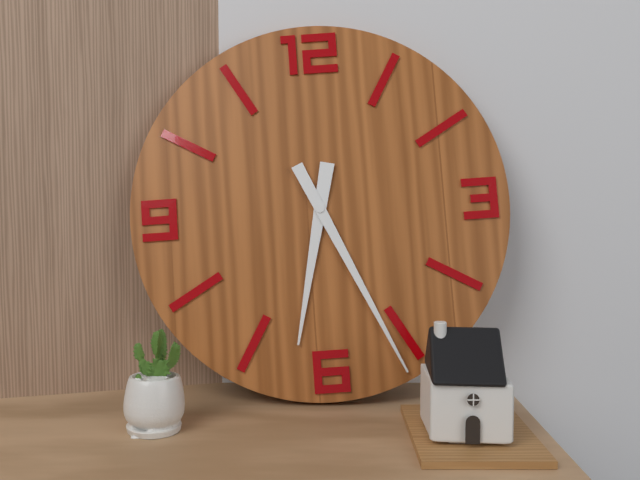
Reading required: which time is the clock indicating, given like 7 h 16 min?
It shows 6 h 26 min
